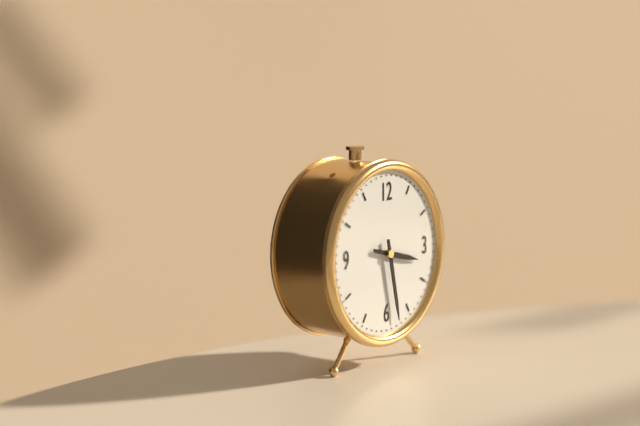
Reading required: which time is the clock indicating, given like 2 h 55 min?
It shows 3 h 28 min
